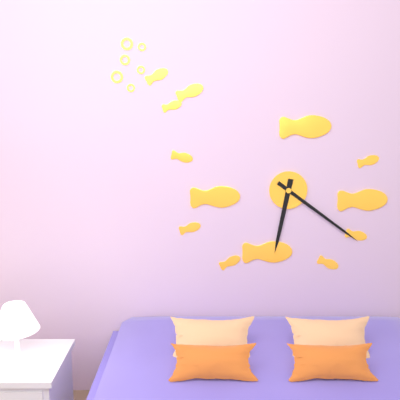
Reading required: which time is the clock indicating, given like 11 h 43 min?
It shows 6 h 21 min
